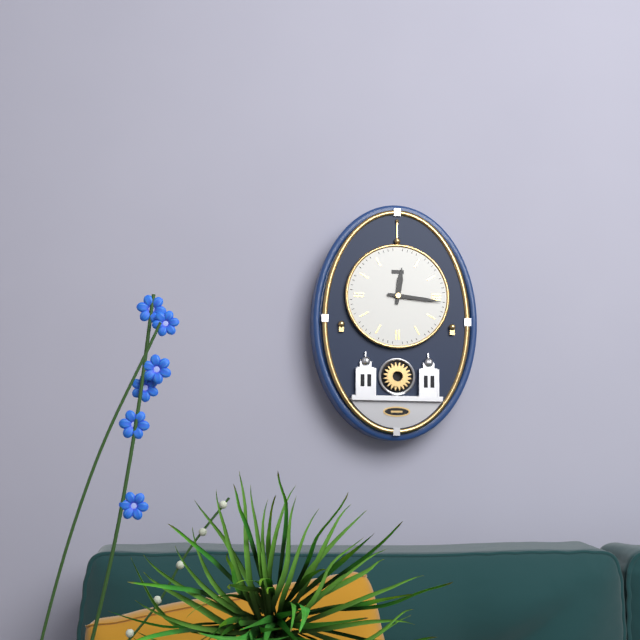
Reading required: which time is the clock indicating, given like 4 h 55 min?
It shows 12 h 16 min
